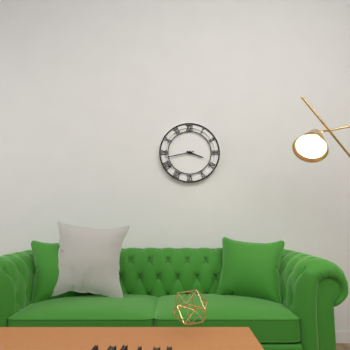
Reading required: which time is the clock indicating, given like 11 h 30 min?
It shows 3 h 43 min
